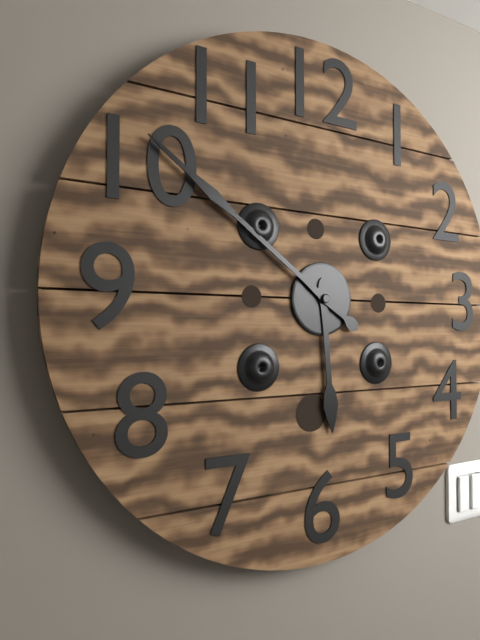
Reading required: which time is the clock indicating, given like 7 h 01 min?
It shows 5 h 51 min
